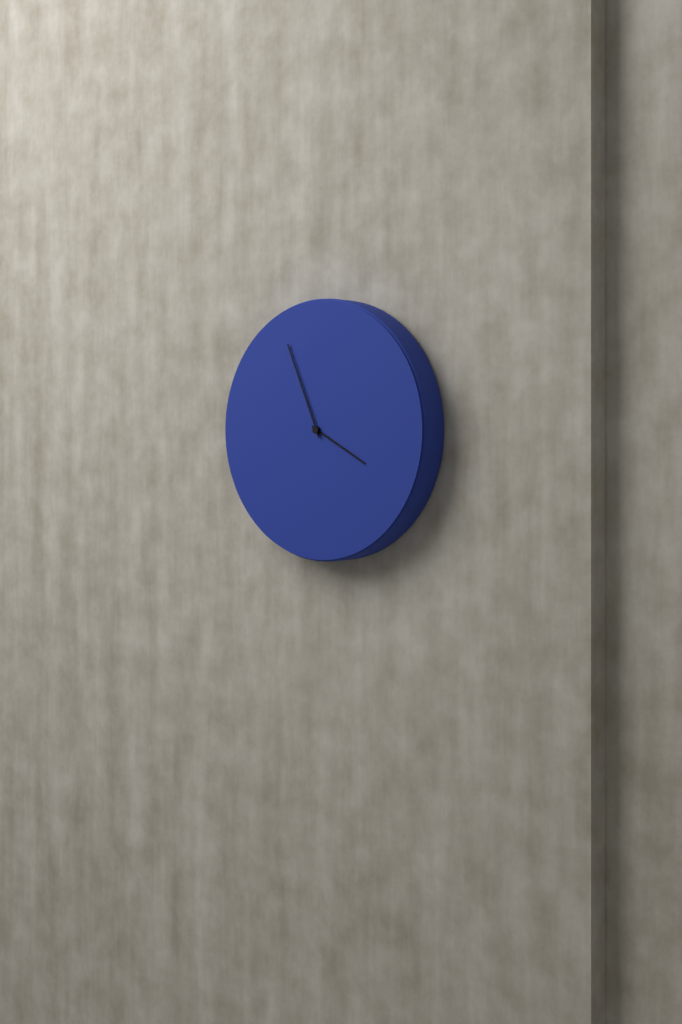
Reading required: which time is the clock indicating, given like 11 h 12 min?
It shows 3 h 56 min
